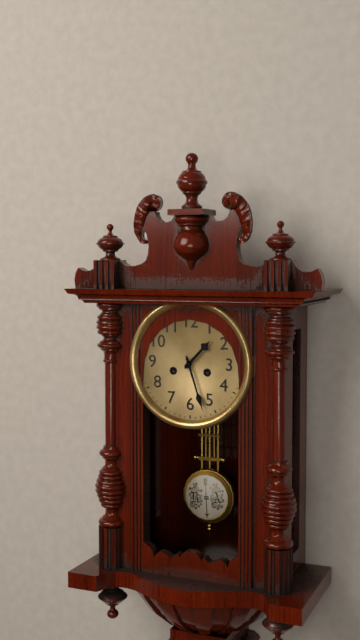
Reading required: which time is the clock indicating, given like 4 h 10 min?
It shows 1 h 27 min
